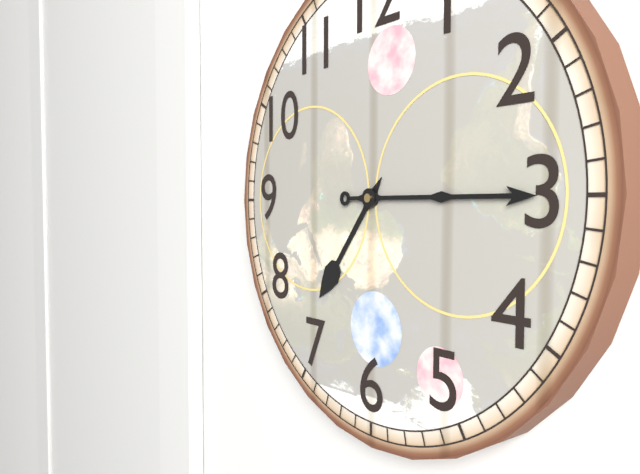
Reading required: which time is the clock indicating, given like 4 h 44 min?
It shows 7 h 15 min
